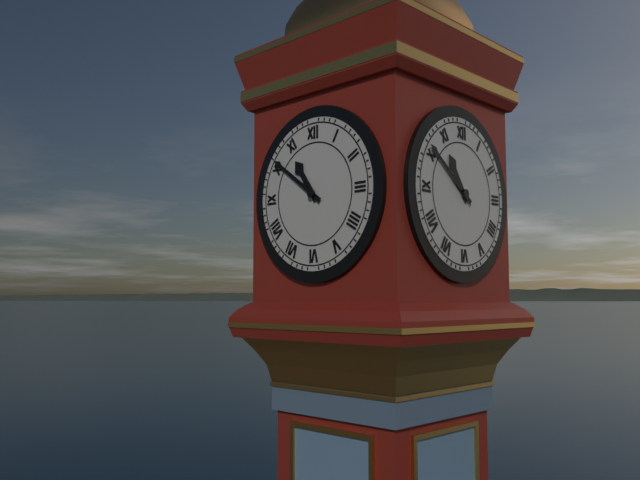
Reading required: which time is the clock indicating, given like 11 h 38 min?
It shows 10 h 51 min
